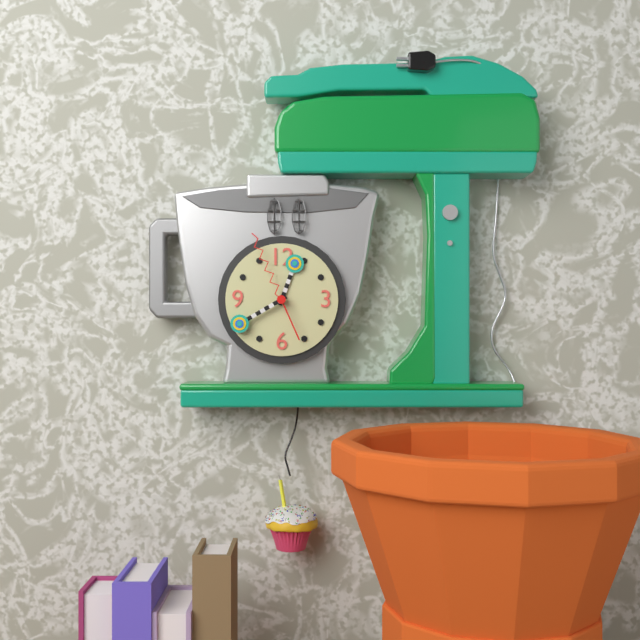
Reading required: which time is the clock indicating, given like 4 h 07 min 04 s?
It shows 12 h 40 min 56 s
